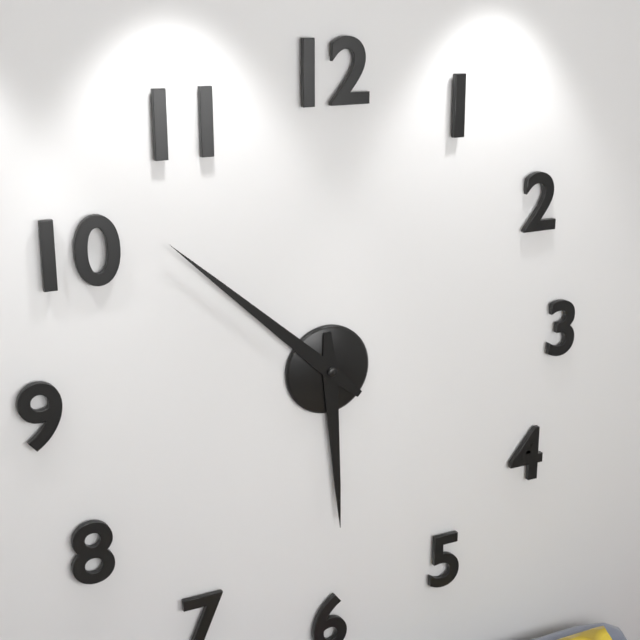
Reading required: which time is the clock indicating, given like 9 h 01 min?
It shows 5 h 52 min
